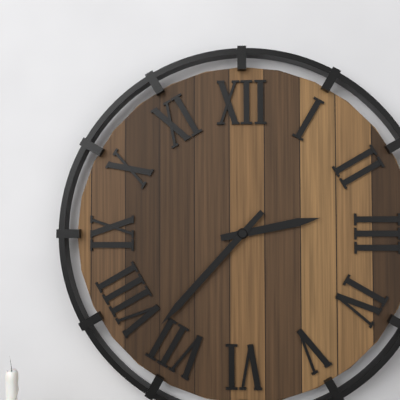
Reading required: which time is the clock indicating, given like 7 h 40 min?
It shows 2 h 37 min
